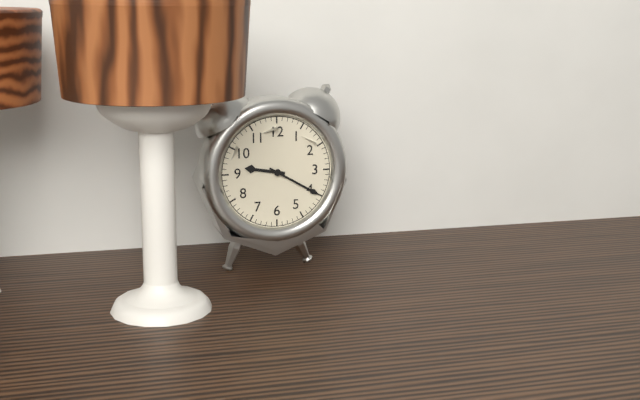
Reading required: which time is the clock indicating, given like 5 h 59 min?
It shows 9 h 20 min
